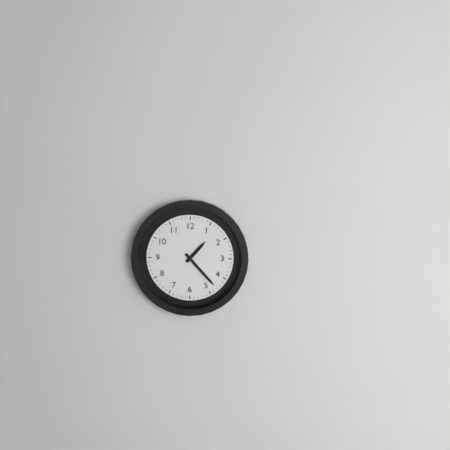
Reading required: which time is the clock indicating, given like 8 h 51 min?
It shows 1 h 23 min
